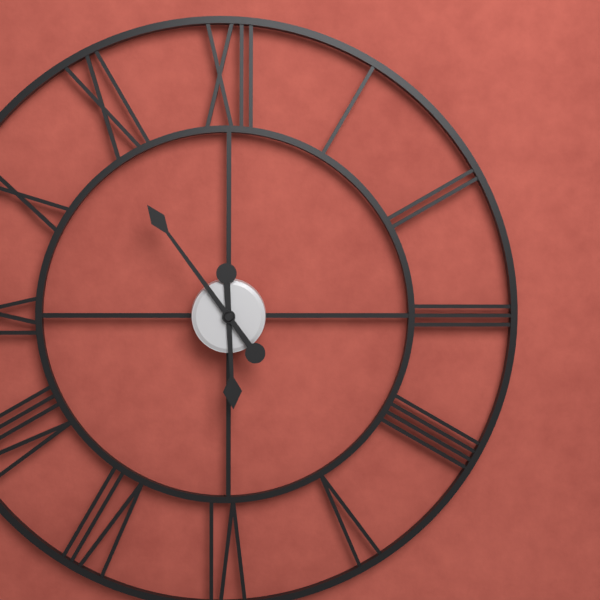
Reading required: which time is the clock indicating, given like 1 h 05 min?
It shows 5 h 54 min
